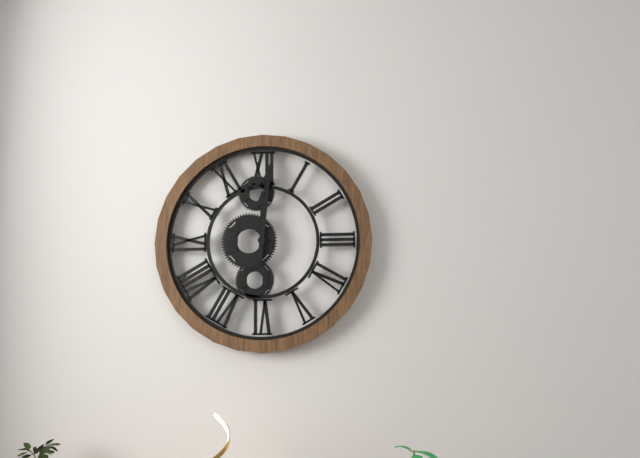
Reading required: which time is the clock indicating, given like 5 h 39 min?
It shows 12 h 01 min
